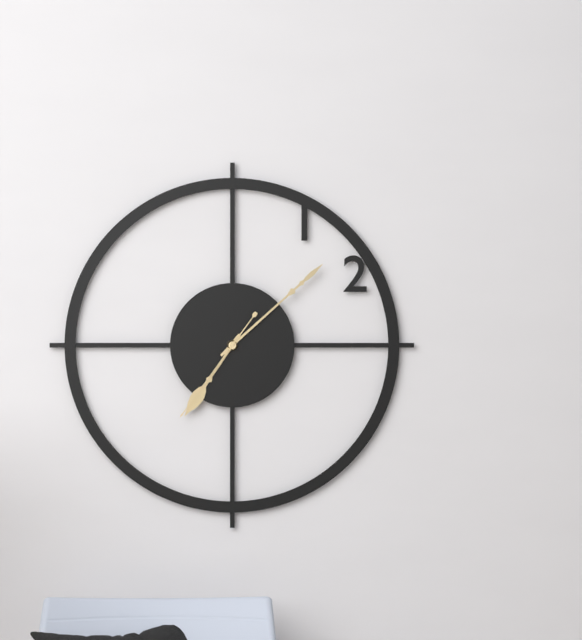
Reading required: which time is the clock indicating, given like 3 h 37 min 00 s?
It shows 7 h 08 min 36 s
